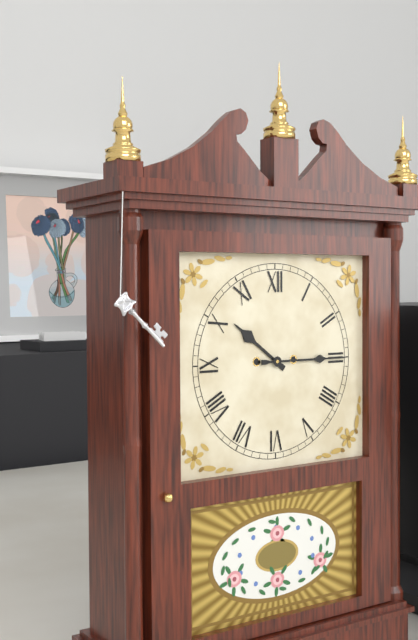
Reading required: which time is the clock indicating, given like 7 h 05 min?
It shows 10 h 15 min
